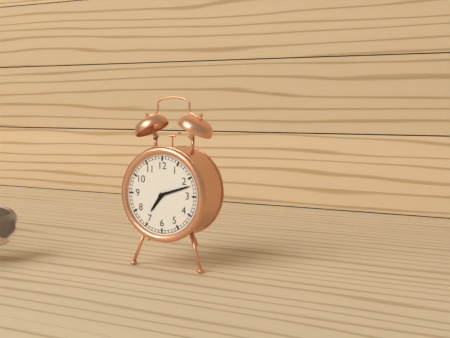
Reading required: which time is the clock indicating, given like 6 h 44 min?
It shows 7 h 12 min
